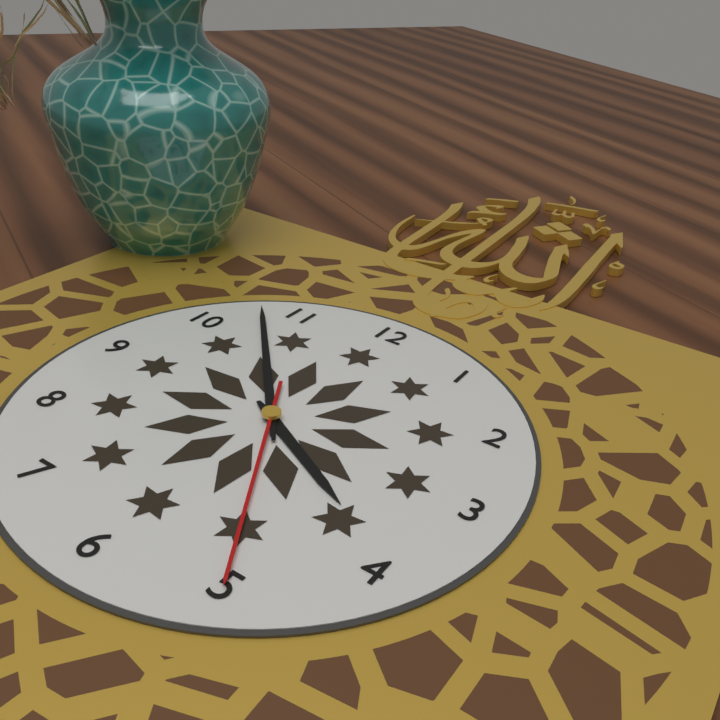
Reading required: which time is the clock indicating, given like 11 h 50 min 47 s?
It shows 3 h 53 min 25 s
